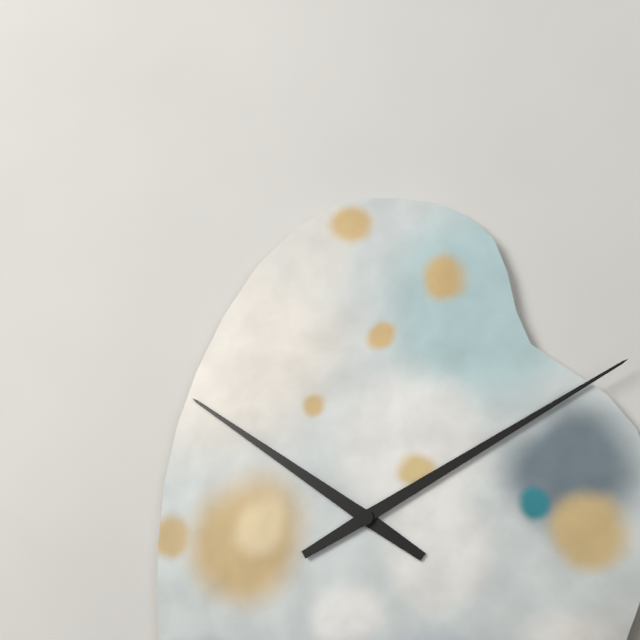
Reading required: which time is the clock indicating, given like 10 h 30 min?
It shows 10 h 10 min
